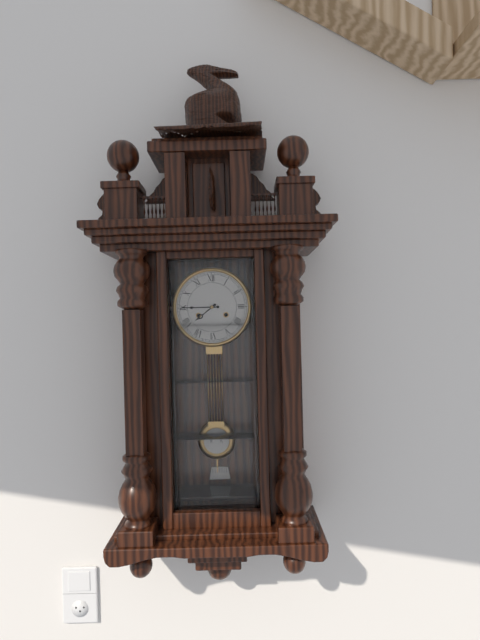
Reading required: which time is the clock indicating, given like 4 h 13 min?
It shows 7 h 45 min
